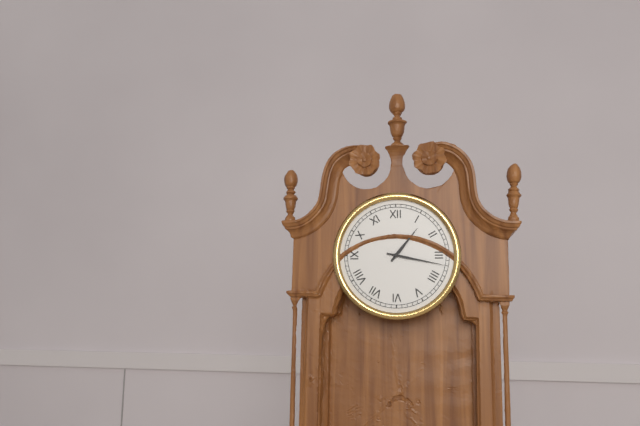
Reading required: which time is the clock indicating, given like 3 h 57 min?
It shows 1 h 17 min
